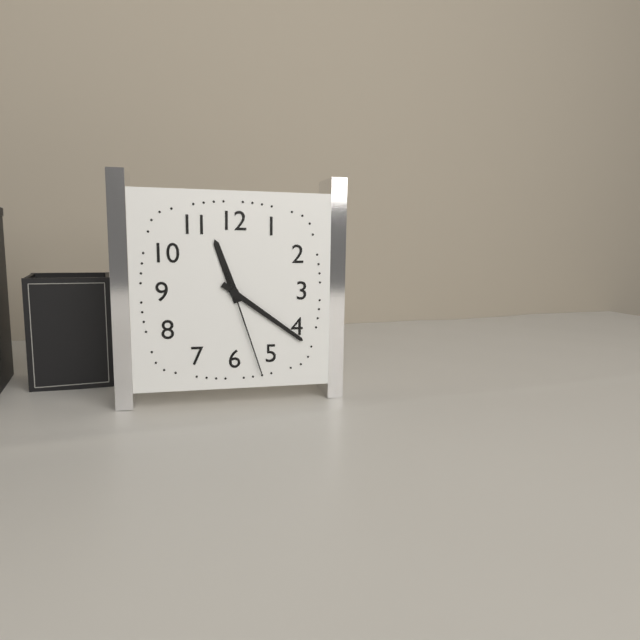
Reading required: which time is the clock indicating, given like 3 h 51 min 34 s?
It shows 11 h 21 min 27 s
